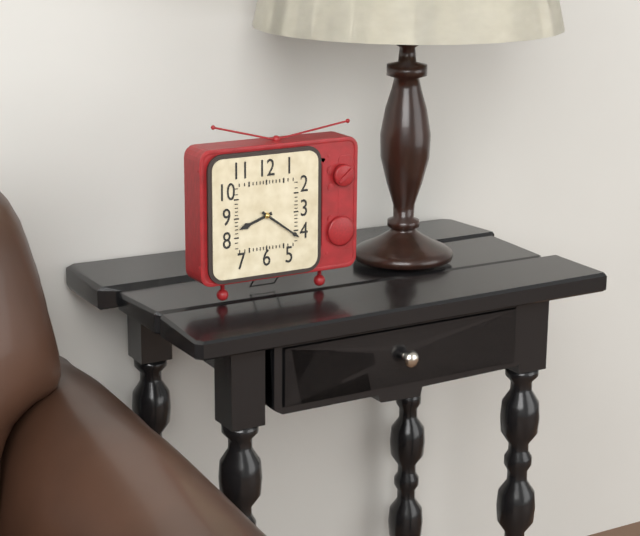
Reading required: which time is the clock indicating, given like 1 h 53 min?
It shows 8 h 21 min
